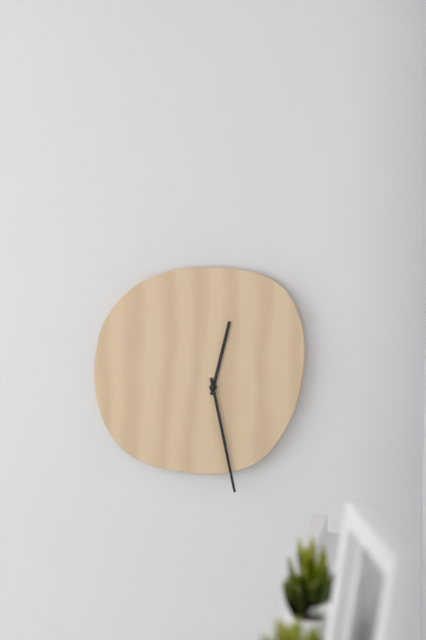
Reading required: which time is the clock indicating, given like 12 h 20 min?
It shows 12 h 28 min
